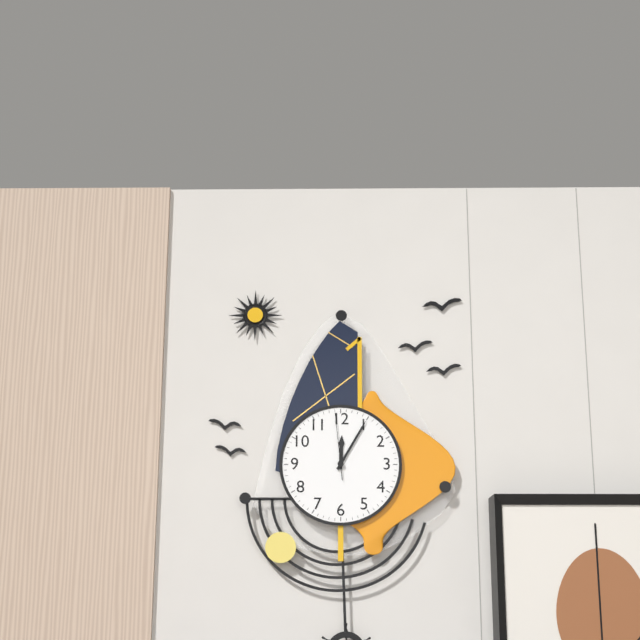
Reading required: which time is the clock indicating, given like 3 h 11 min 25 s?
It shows 12 h 05 min 59 s
